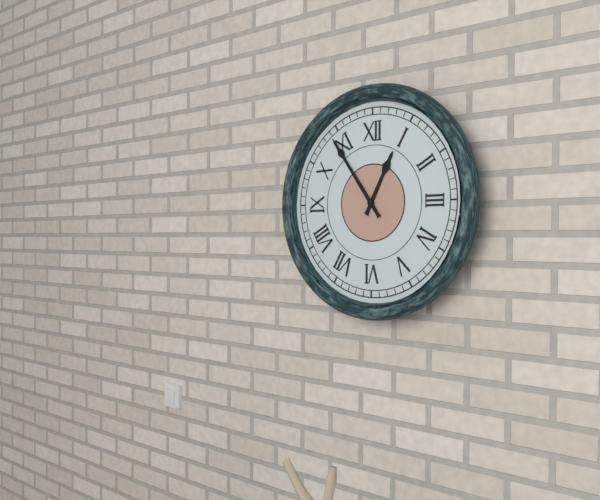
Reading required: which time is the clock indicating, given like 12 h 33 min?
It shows 12 h 54 min
